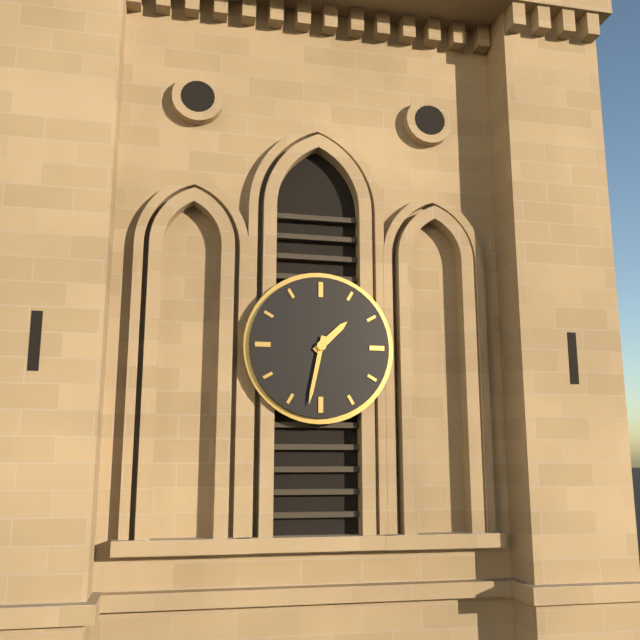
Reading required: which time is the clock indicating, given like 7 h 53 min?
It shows 1 h 32 min
